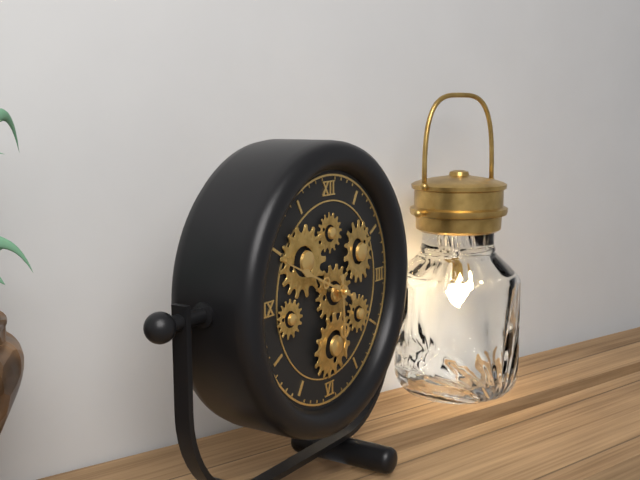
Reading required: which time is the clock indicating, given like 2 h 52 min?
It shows 5 h 49 min
